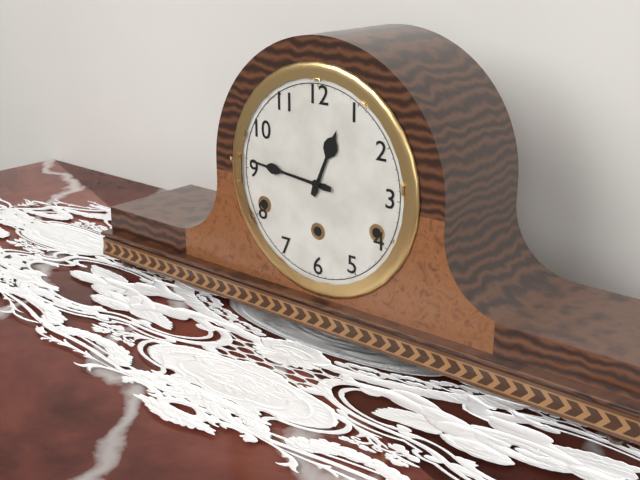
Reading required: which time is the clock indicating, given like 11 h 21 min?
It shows 12 h 46 min
